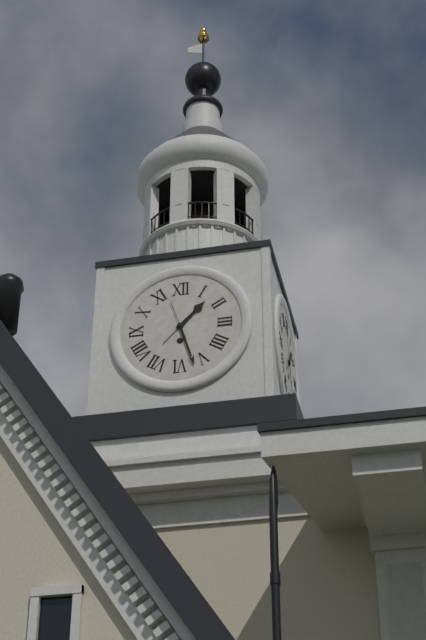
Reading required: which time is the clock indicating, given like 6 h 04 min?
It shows 1 h 27 min
